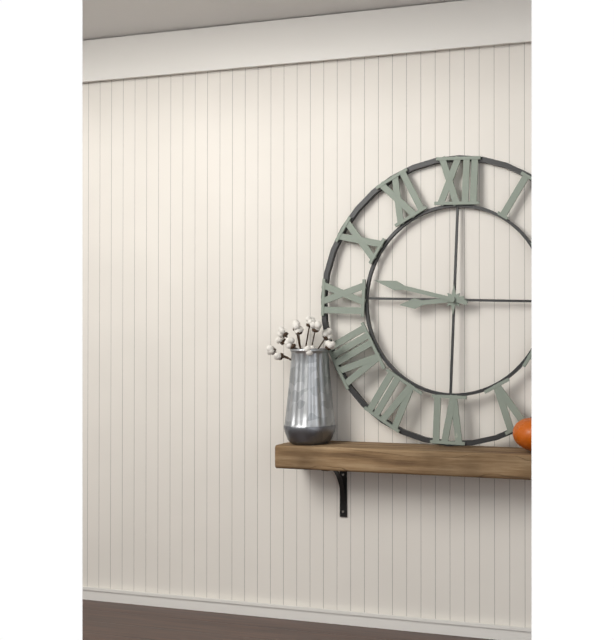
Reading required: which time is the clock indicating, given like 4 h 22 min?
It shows 8 h 47 min
